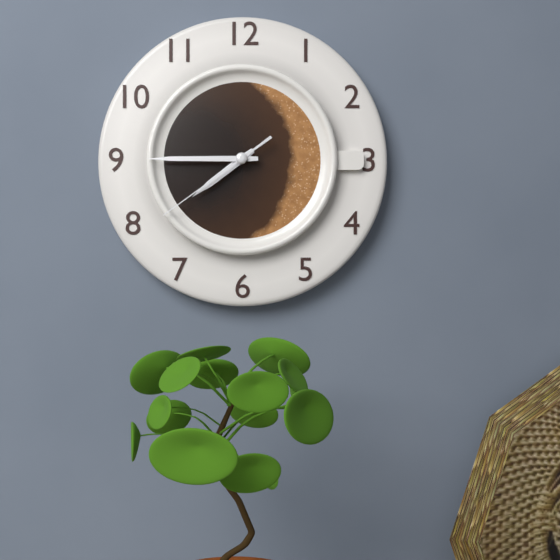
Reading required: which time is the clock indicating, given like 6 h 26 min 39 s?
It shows 7 h 45 min 39 s
